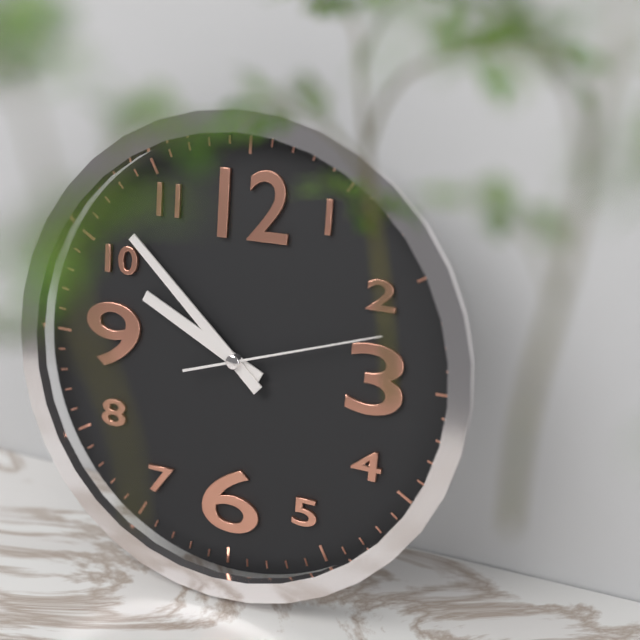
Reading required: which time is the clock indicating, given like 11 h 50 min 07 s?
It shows 9 h 52 min 12 s
